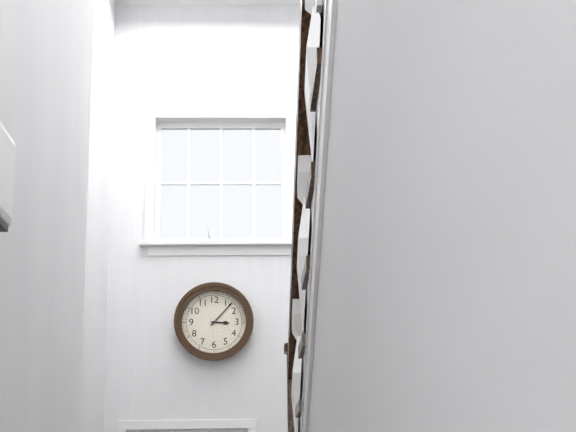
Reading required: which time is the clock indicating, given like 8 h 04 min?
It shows 3 h 07 min
